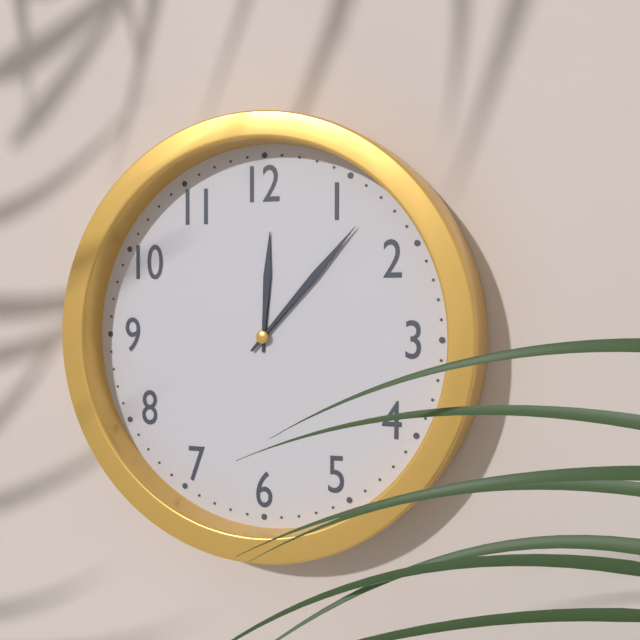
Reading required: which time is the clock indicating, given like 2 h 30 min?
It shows 12 h 07 min
